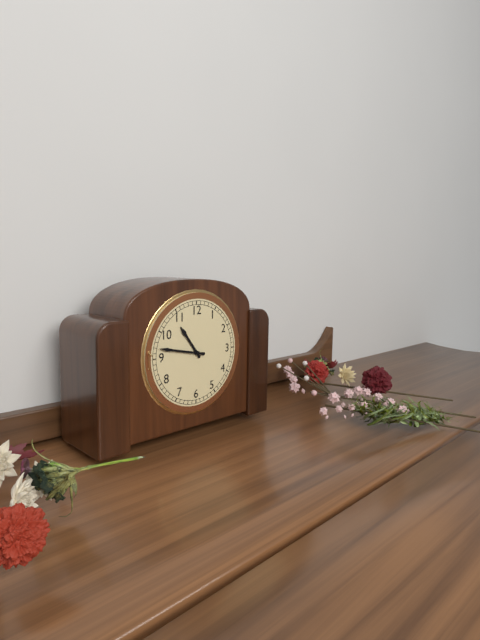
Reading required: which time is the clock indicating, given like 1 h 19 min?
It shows 10 h 47 min
